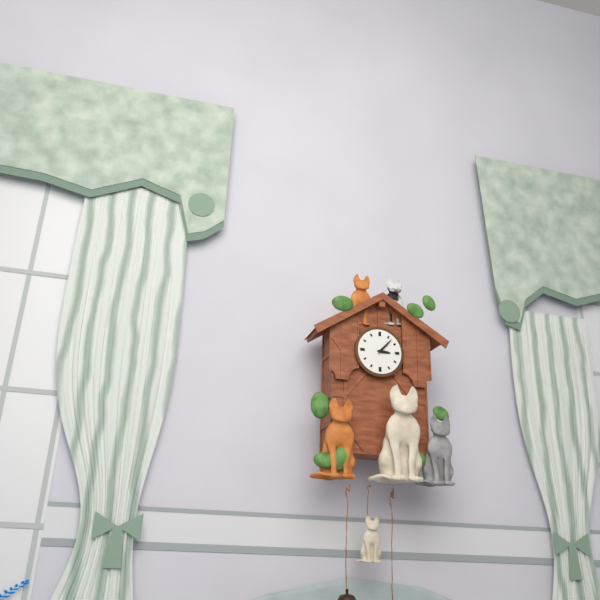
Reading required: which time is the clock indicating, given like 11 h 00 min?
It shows 3 h 07 min
